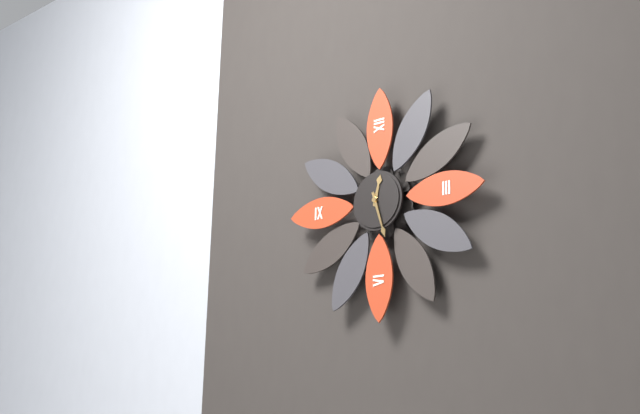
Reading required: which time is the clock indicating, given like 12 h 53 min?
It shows 12 h 27 min
